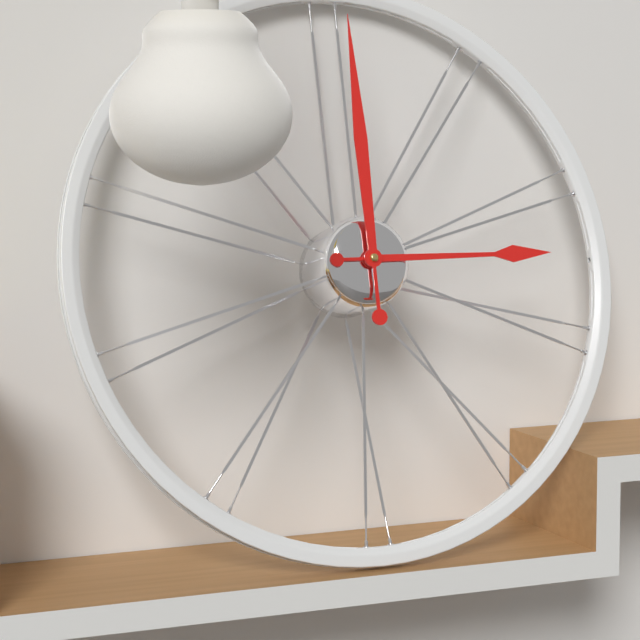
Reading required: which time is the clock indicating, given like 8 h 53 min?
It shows 3 h 00 min
